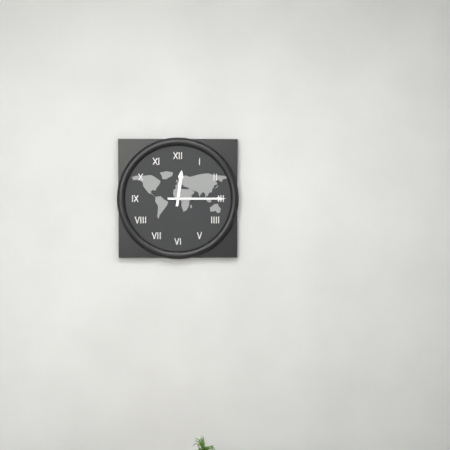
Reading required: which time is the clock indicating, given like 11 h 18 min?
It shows 12 h 15 min
